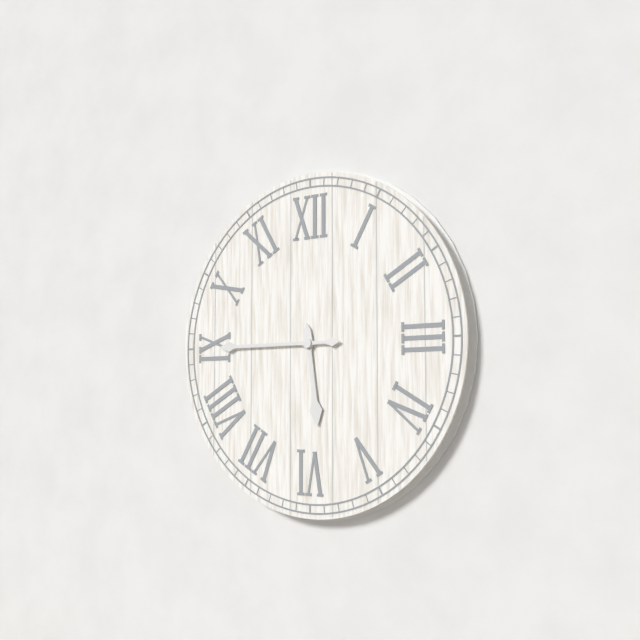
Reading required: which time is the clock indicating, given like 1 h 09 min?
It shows 5 h 45 min
